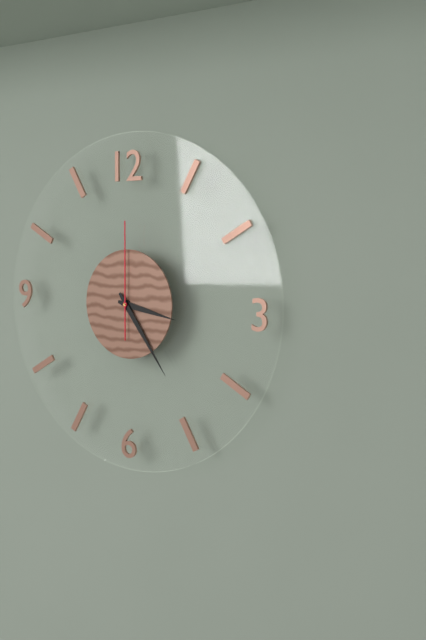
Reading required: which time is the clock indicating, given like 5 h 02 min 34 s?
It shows 3 h 24 min 00 s
